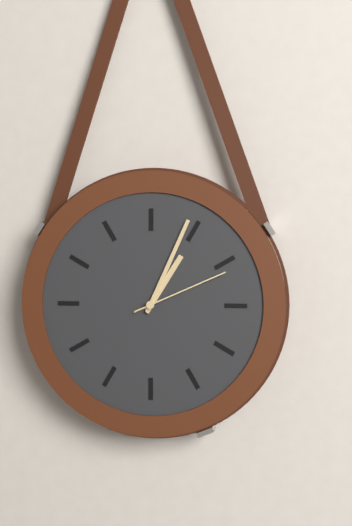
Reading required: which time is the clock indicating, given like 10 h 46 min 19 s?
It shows 1 h 04 min 11 s
